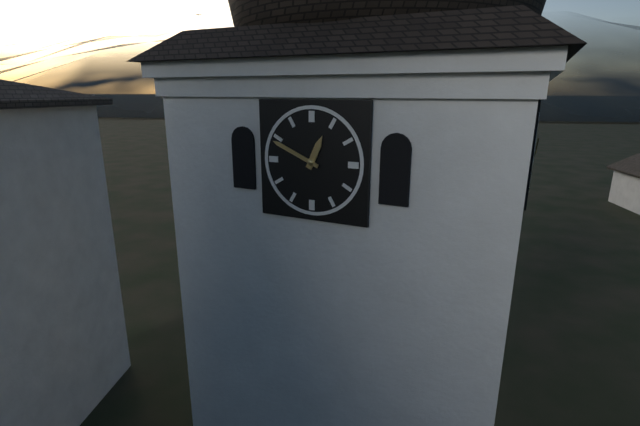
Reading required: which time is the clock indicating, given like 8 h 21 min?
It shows 12 h 49 min
